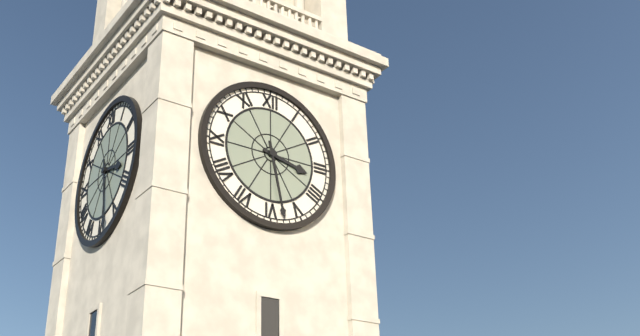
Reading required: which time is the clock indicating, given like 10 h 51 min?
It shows 3 h 28 min
